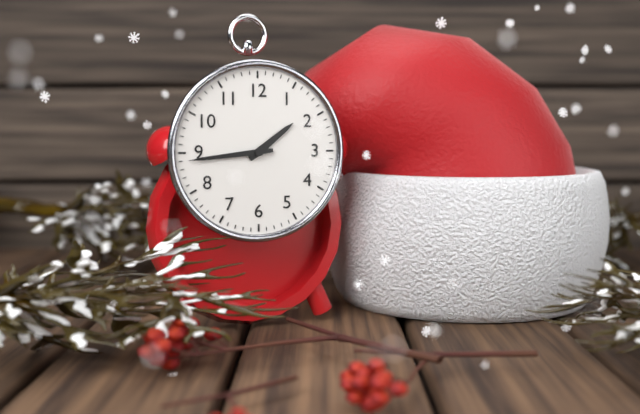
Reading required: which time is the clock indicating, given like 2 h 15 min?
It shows 1 h 44 min
